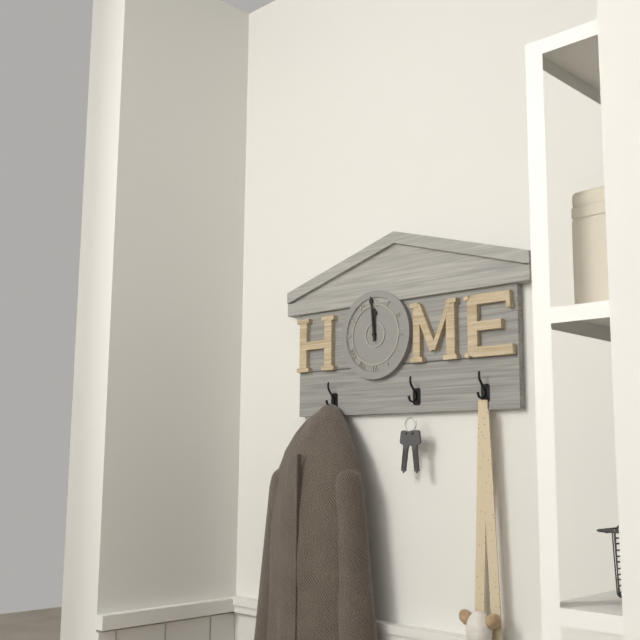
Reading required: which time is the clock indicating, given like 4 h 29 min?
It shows 11 h 59 min
